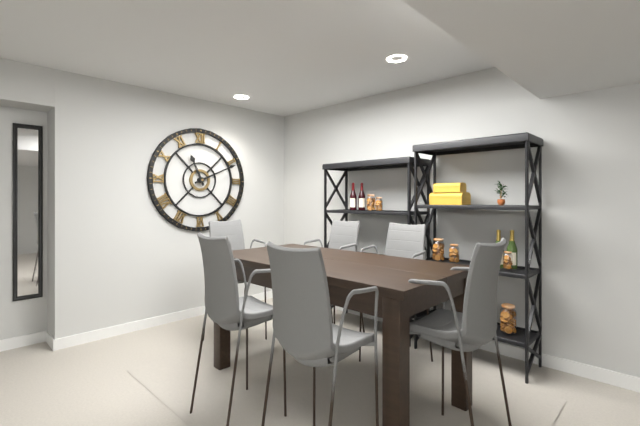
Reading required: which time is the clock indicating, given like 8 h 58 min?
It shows 11 h 11 min
